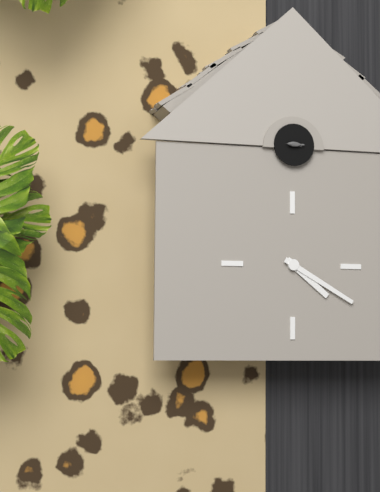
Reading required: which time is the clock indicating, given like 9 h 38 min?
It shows 4 h 20 min
